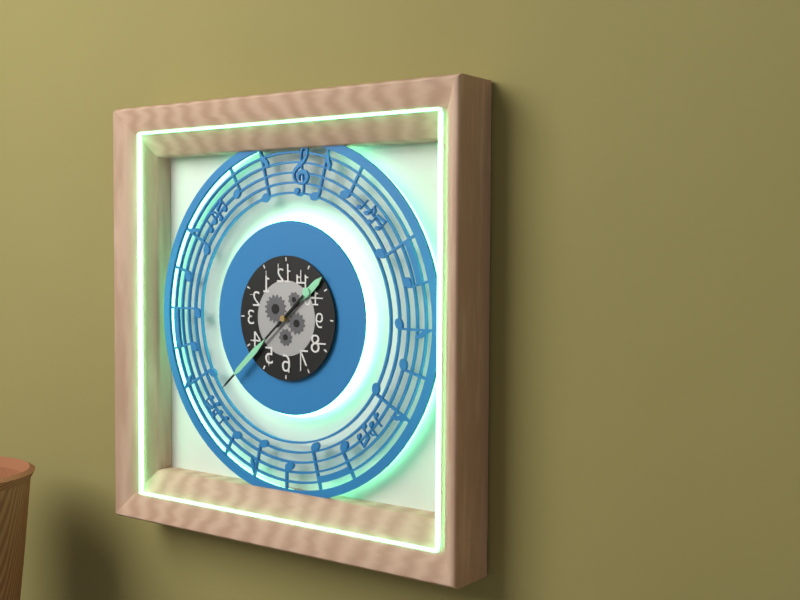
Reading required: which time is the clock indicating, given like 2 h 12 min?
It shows 1 h 38 min
